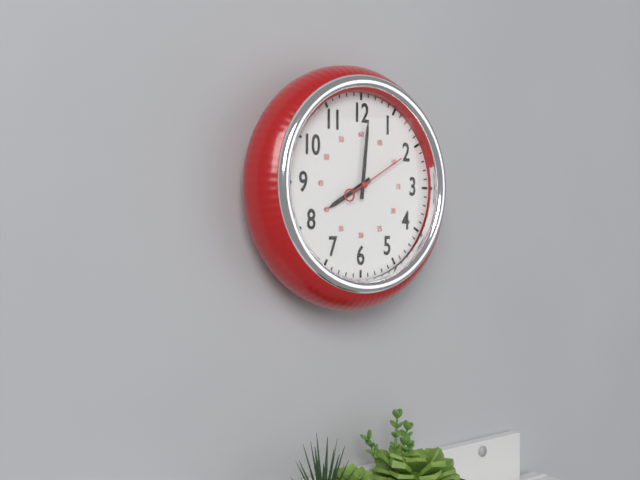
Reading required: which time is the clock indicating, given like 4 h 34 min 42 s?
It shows 8 h 01 min 10 s
